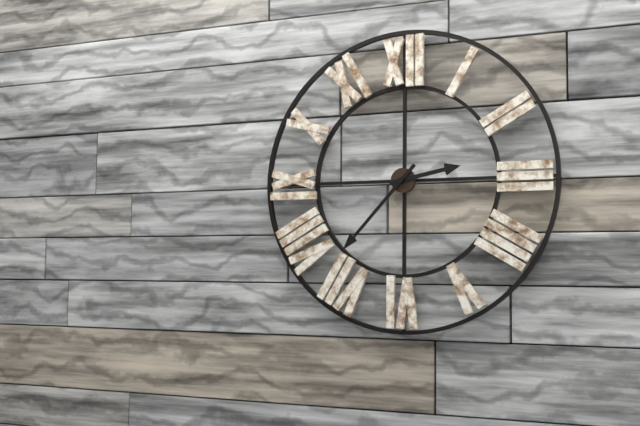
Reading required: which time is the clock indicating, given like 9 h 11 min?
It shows 2 h 37 min
